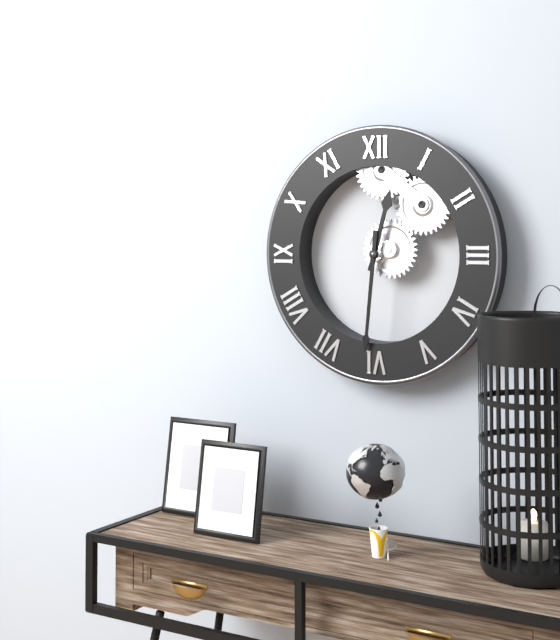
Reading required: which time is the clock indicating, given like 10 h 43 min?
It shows 12 h 31 min
